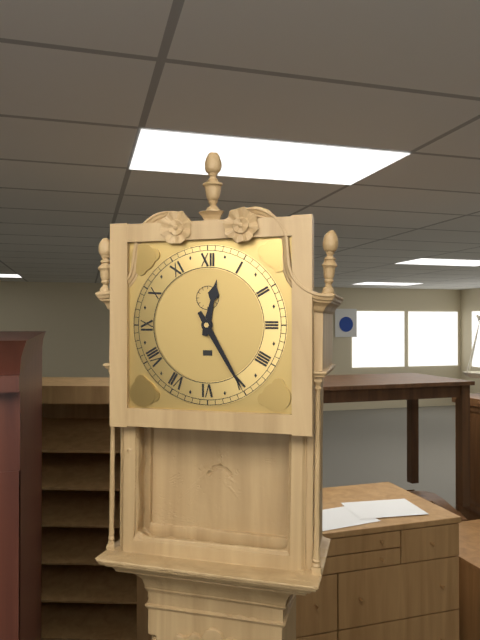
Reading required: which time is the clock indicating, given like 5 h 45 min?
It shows 12 h 25 min
